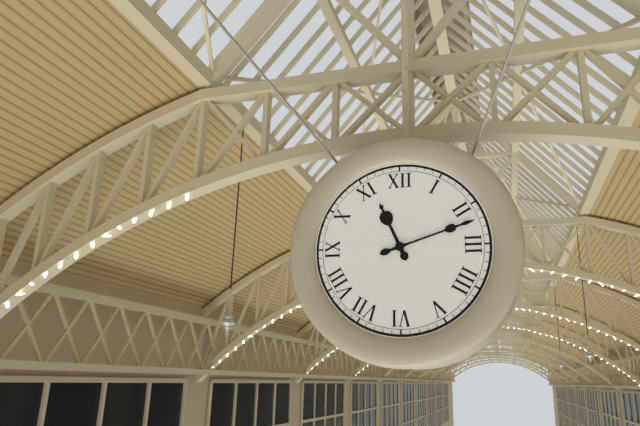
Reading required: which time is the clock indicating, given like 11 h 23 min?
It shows 11 h 12 min
